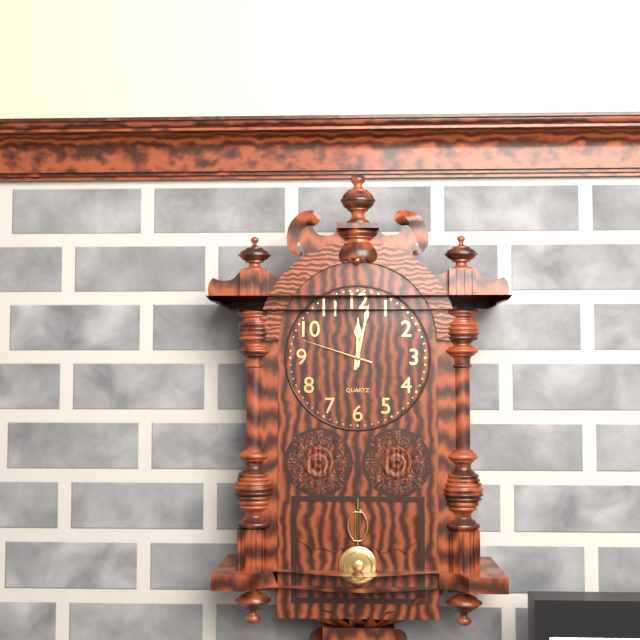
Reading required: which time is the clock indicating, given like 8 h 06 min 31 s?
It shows 12 h 02 min 48 s
